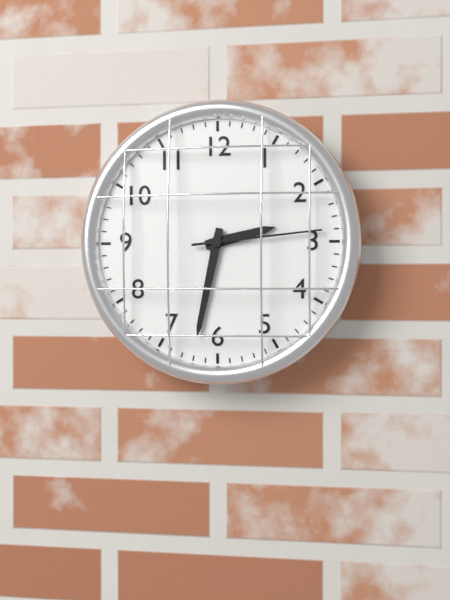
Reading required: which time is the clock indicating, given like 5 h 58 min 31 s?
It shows 2 h 32 min 14 s
